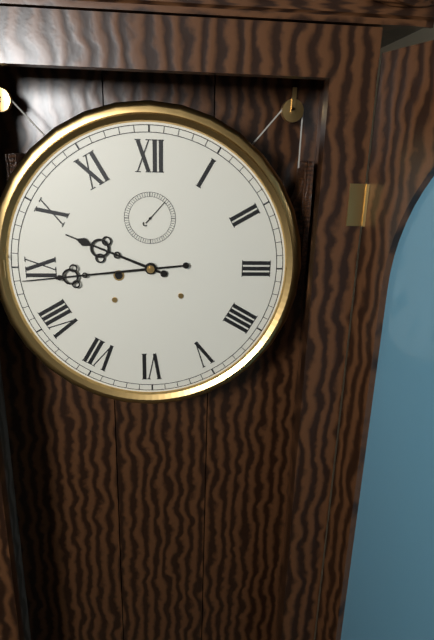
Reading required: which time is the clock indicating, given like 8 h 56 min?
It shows 9 h 44 min
